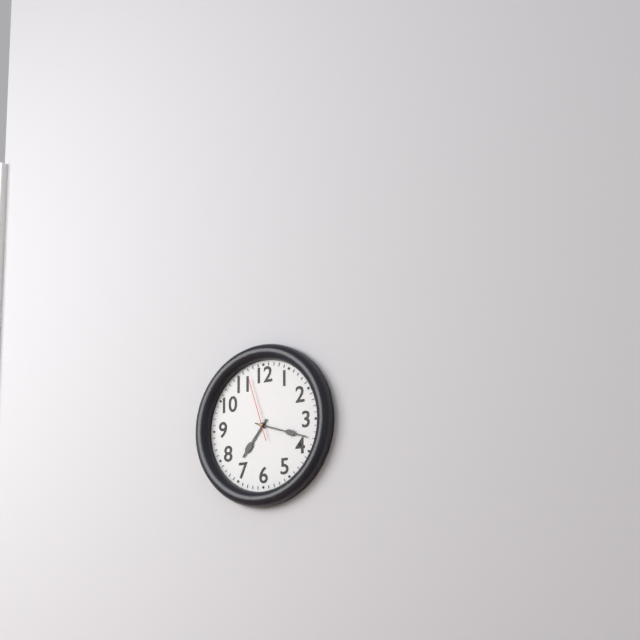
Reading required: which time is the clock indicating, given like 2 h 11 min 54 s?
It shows 7 h 18 min 57 s
